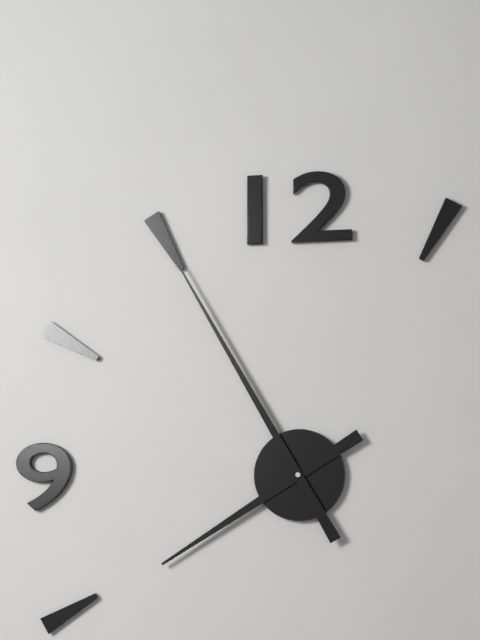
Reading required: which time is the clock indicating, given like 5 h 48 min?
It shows 7 h 55 min
